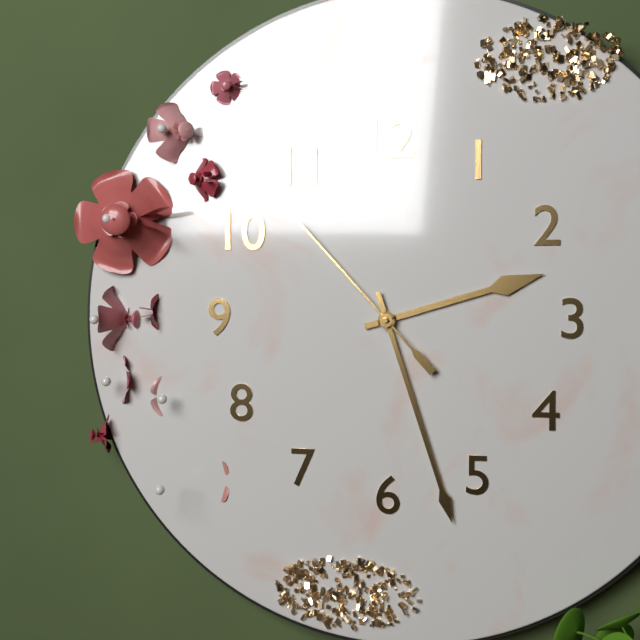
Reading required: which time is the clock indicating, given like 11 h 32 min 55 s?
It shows 2 h 27 min 53 s
